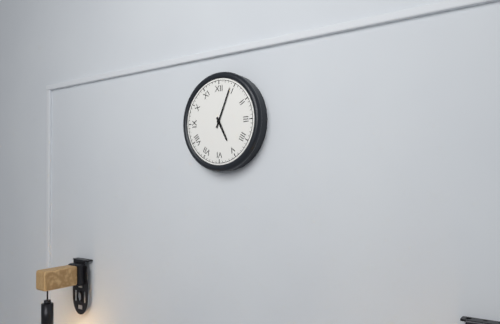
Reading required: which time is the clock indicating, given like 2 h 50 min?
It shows 5 h 04 min
